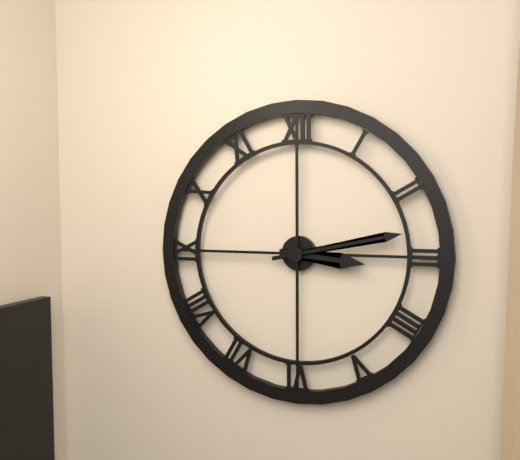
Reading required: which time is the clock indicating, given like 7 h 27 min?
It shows 3 h 13 min
